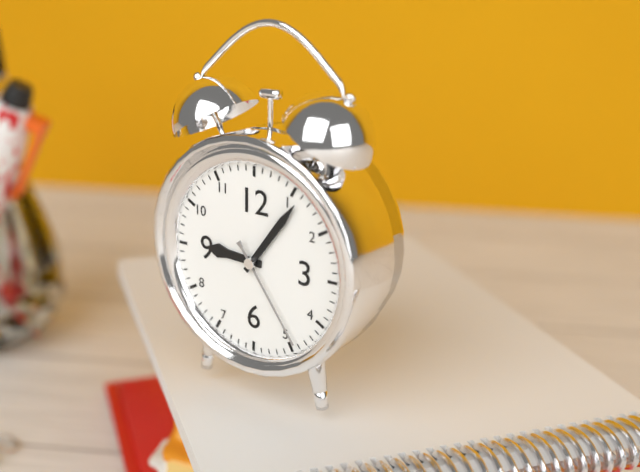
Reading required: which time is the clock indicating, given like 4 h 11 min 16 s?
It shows 9 h 06 min 24 s
